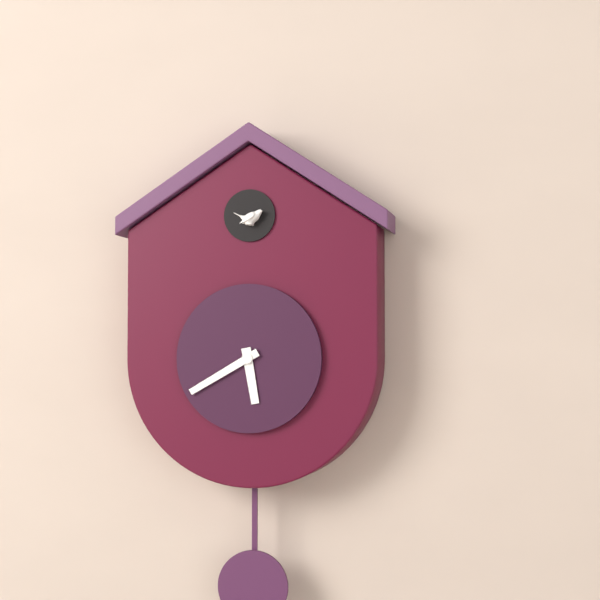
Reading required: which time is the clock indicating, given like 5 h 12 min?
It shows 5 h 40 min
